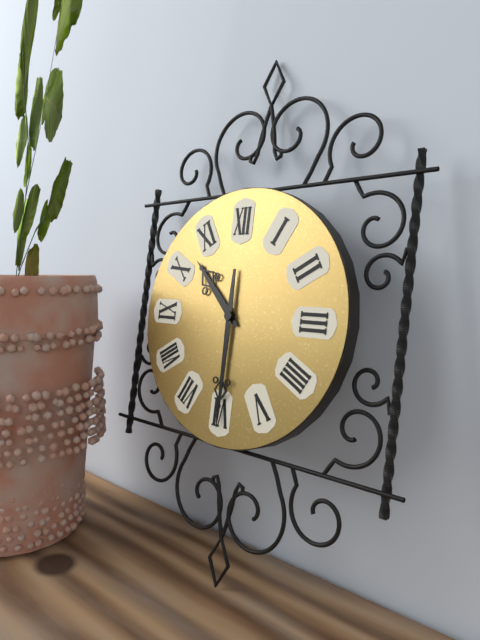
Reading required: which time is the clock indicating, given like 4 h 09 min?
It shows 10 h 30 min
